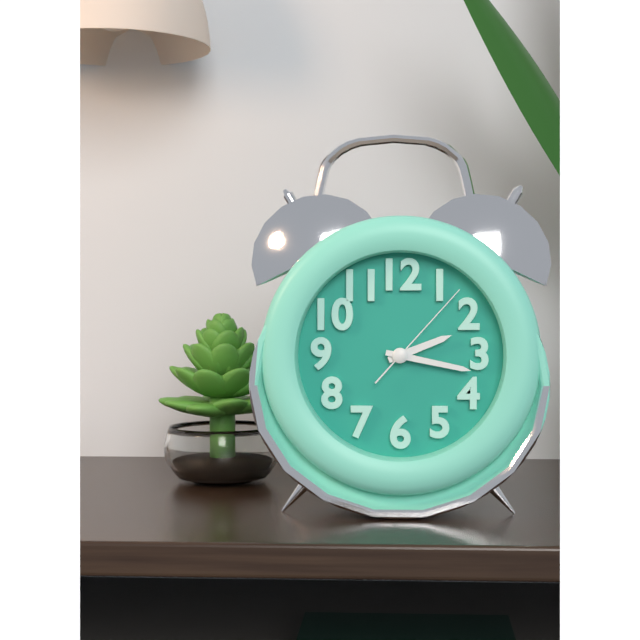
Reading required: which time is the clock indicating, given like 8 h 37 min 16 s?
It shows 2 h 17 min 07 s
